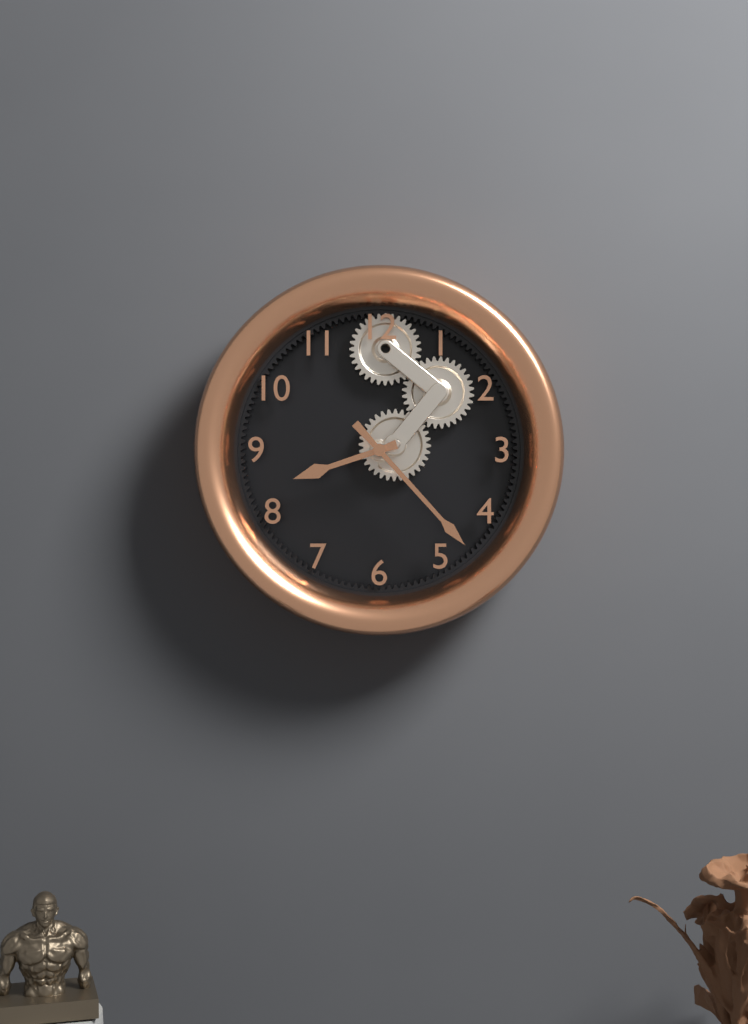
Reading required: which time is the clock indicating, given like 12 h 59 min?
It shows 8 h 23 min
